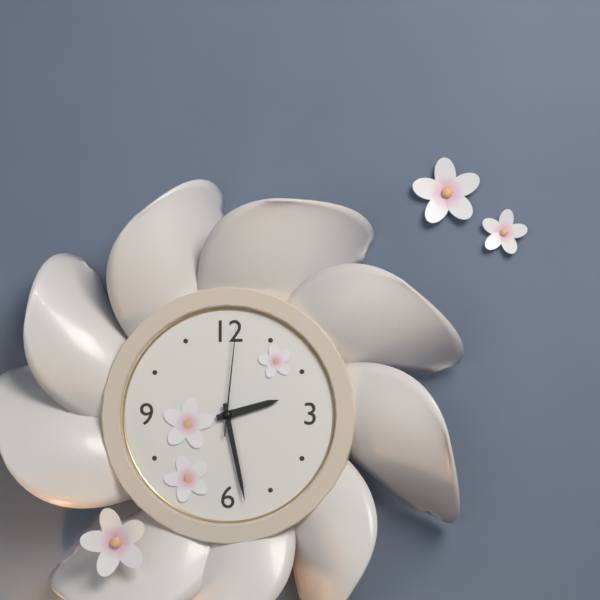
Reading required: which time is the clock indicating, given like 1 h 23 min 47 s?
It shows 2 h 28 min 01 s
